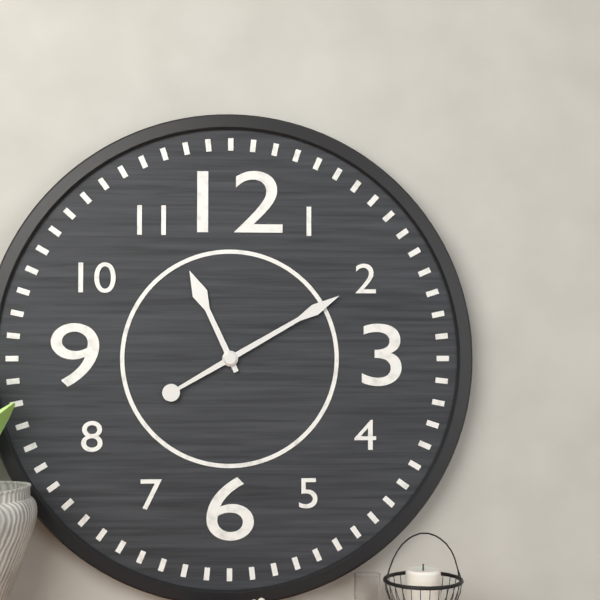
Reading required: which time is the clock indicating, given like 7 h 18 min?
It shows 11 h 10 min
